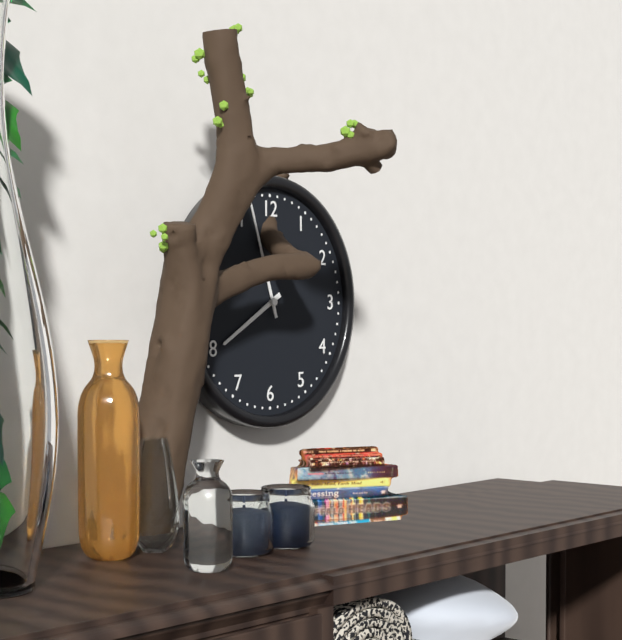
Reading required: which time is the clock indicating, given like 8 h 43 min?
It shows 7 h 57 min
